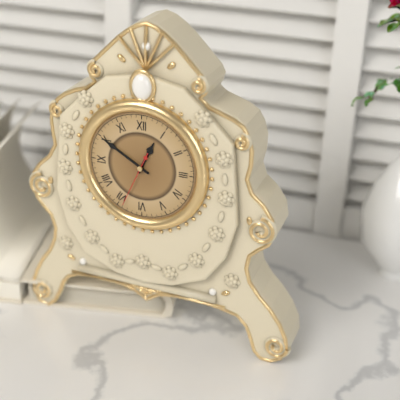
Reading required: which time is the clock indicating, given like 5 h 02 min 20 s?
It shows 12 h 50 min 34 s
